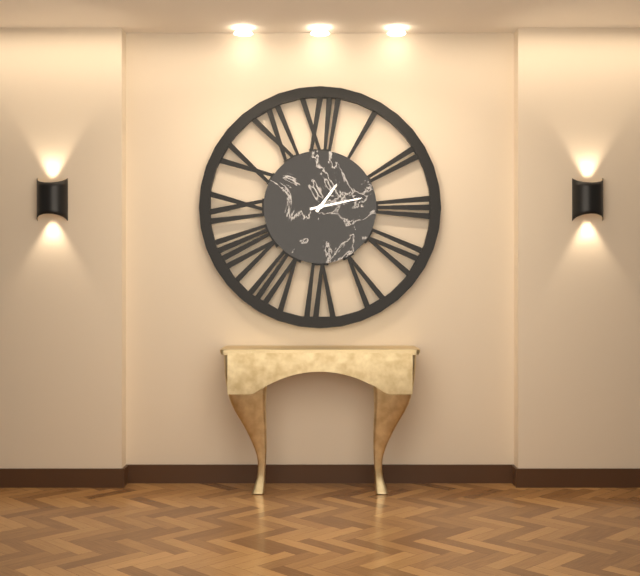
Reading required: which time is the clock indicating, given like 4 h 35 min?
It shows 1 h 13 min
